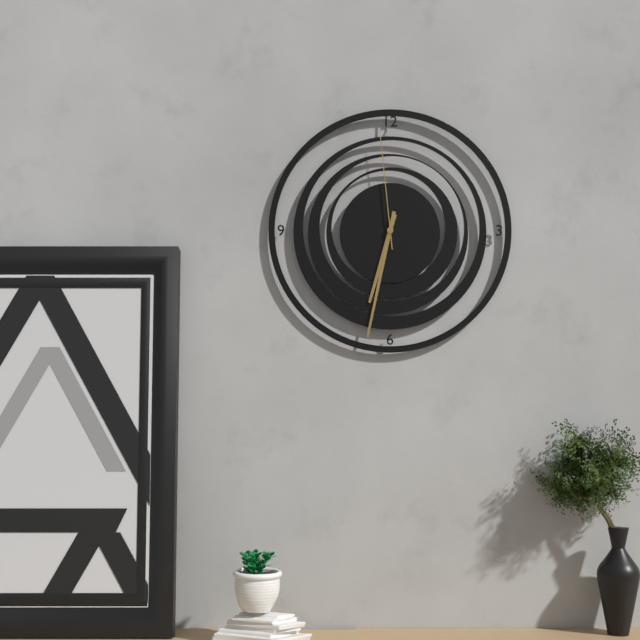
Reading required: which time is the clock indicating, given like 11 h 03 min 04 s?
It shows 6 h 32 min 59 s
